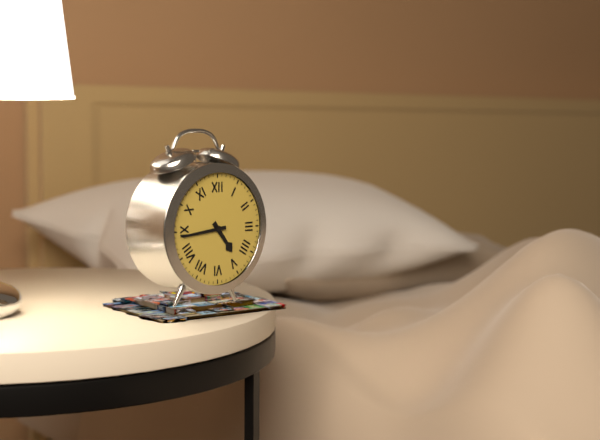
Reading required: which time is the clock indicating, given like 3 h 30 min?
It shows 4 h 44 min
